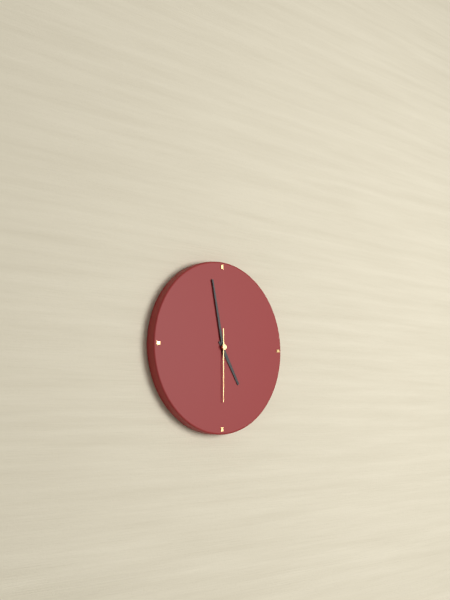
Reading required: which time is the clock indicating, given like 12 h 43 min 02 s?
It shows 4 h 58 min 30 s
